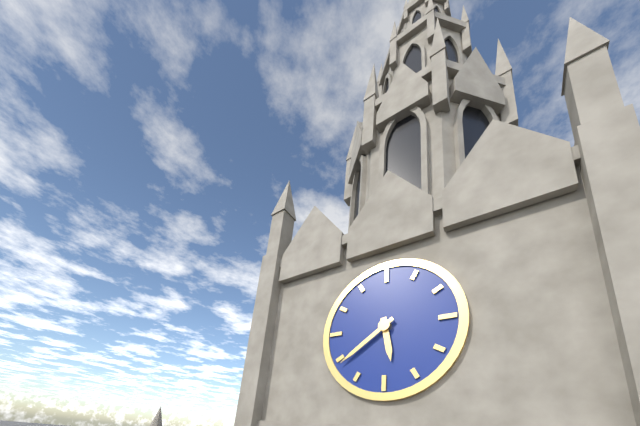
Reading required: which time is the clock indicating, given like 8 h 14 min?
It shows 5 h 39 min
